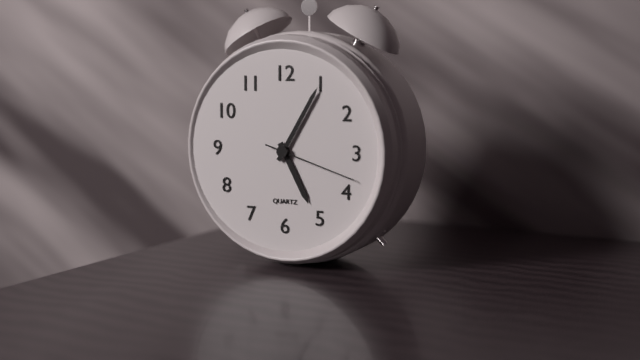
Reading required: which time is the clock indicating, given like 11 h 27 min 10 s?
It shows 5 h 05 min 18 s
